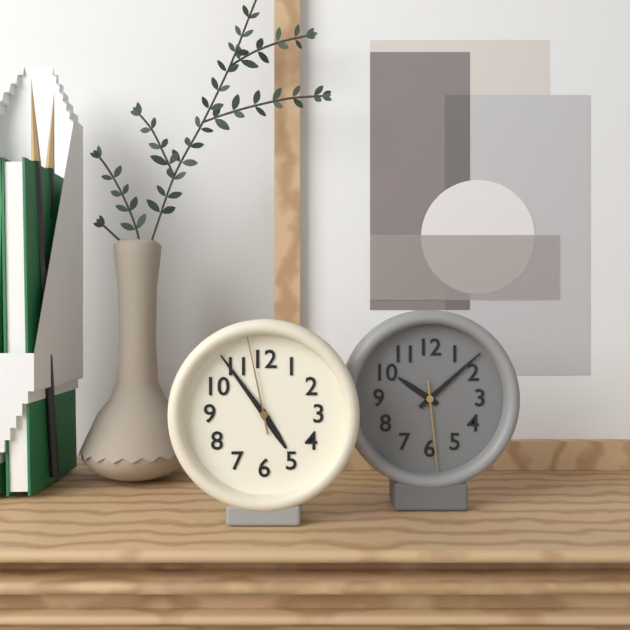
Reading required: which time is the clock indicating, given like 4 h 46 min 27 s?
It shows 4 h 54 min 58 s
